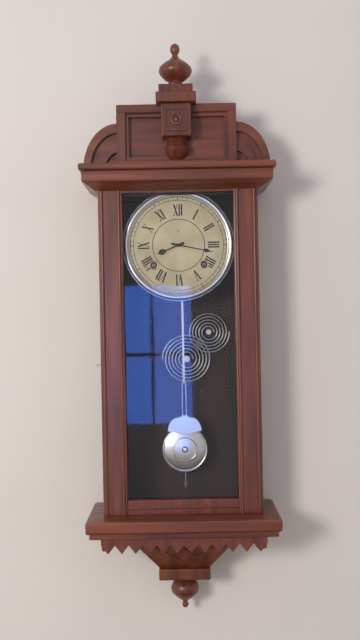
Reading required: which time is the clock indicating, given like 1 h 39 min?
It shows 8 h 17 min
